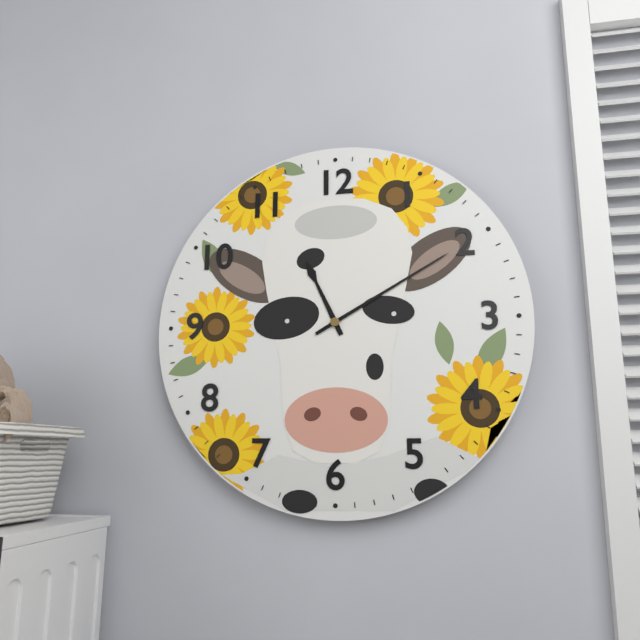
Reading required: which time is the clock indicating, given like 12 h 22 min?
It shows 11 h 10 min
